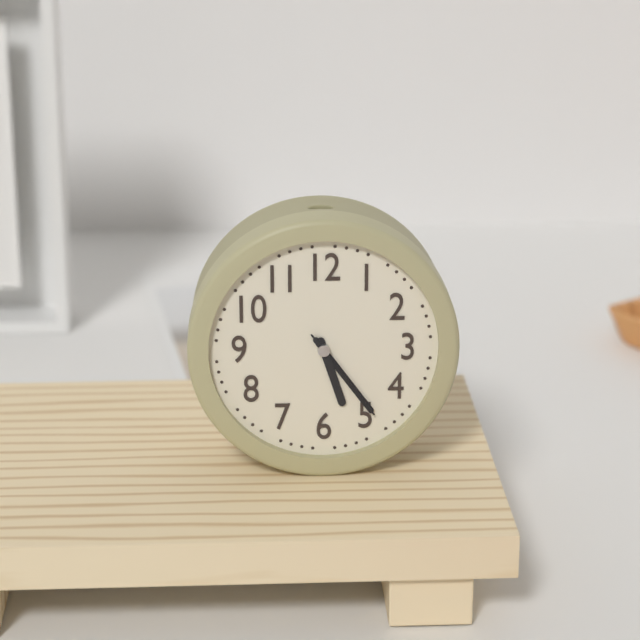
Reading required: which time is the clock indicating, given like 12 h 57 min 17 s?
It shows 5 h 24 min 24 s
